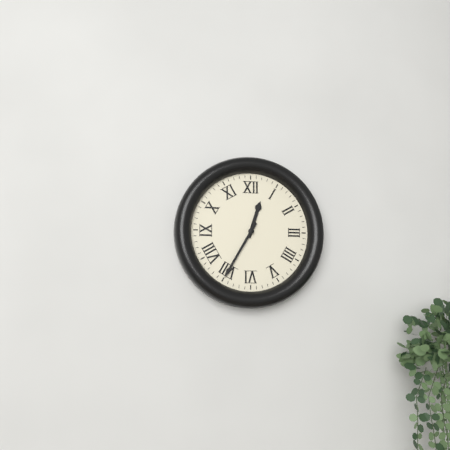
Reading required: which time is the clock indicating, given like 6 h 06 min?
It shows 12 h 35 min
